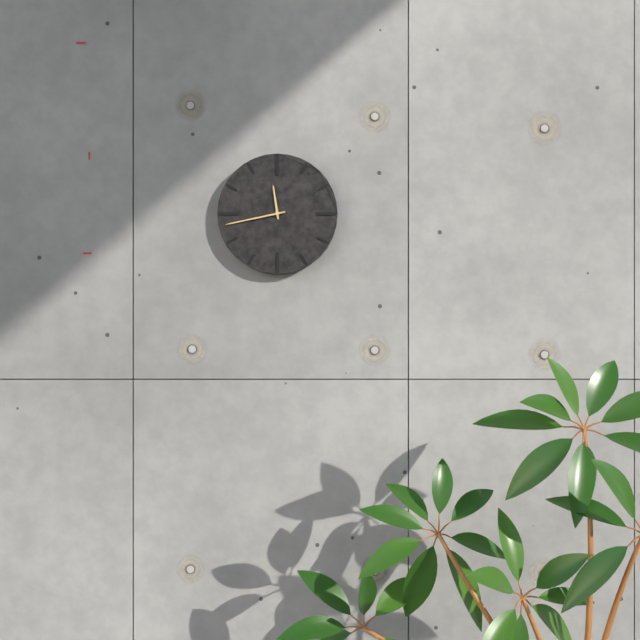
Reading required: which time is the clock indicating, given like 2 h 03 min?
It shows 11 h 43 min
